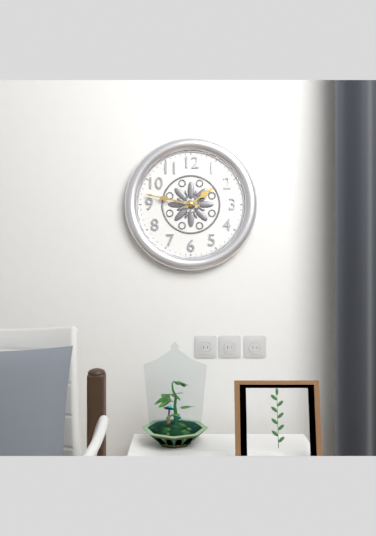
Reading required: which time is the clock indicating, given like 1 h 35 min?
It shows 1 h 47 min
